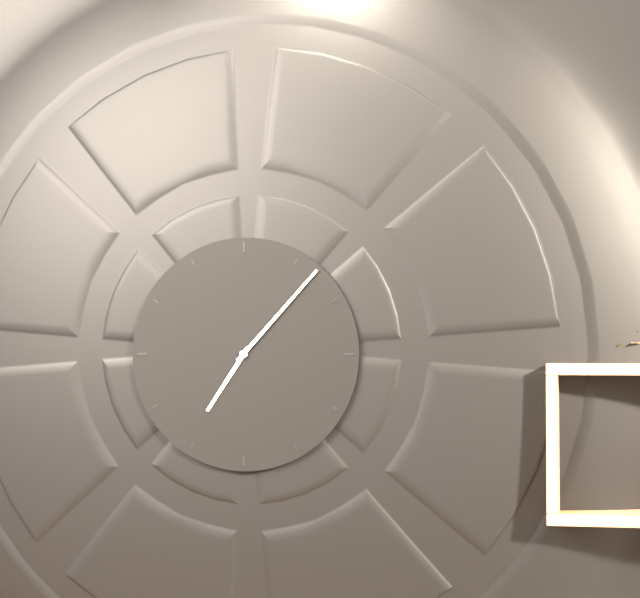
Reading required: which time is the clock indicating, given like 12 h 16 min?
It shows 7 h 07 min
